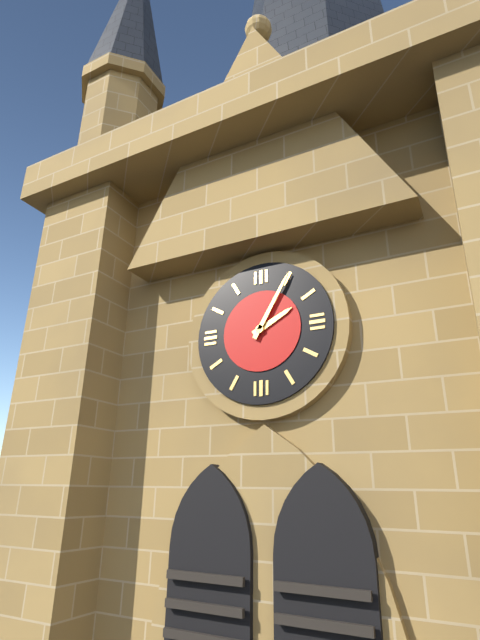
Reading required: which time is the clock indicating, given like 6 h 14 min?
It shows 2 h 05 min
